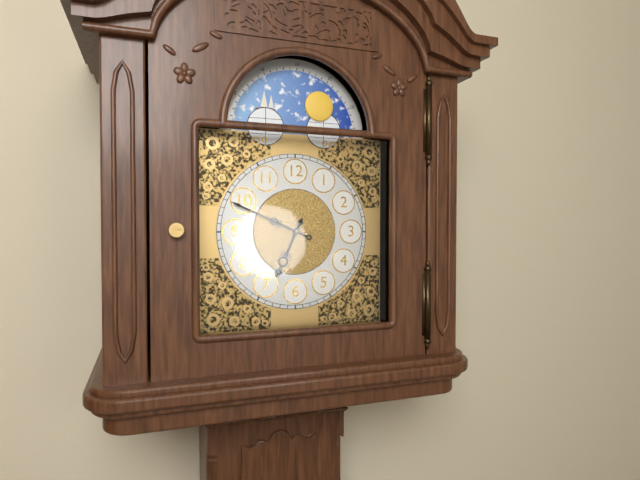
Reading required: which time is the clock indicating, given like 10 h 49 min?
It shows 6 h 49 min
